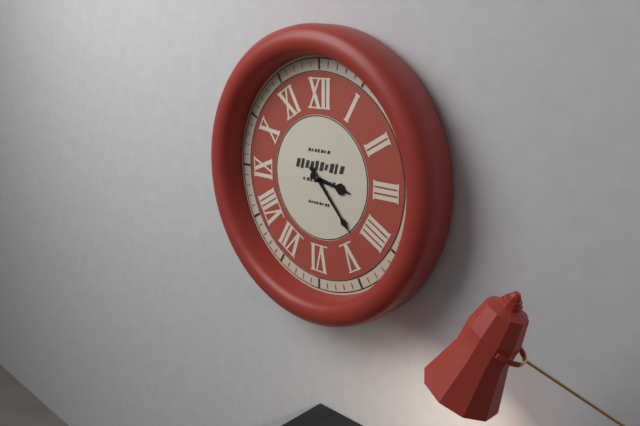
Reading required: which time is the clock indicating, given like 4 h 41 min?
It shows 3 h 23 min
